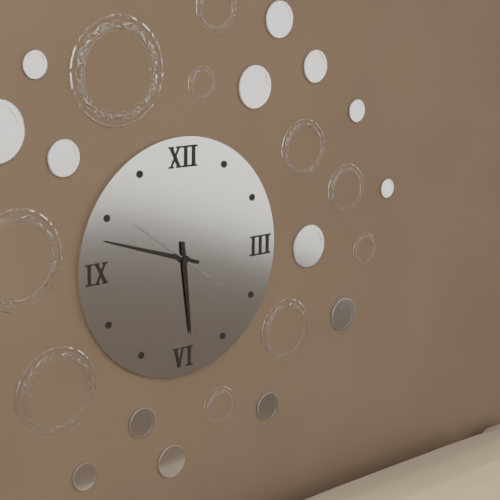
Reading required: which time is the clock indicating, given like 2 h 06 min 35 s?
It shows 5 h 48 min 51 s
